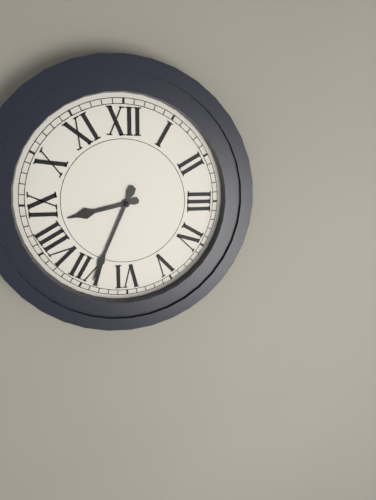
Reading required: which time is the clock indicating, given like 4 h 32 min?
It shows 8 h 34 min
